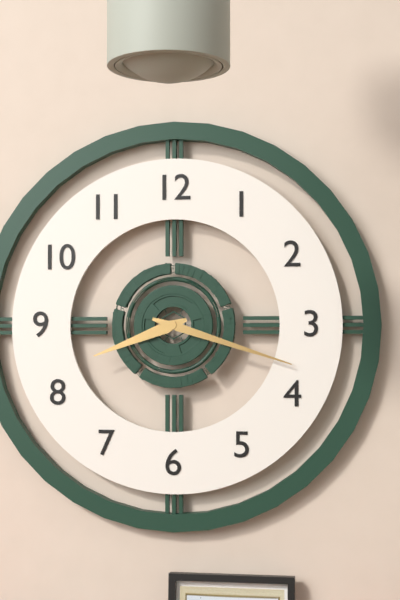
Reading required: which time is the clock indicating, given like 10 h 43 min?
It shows 8 h 18 min
